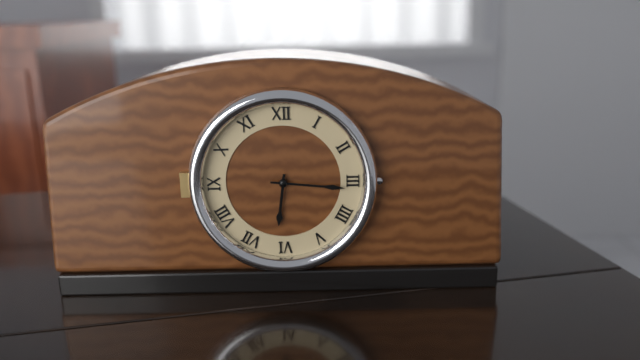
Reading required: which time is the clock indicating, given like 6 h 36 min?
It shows 6 h 16 min
